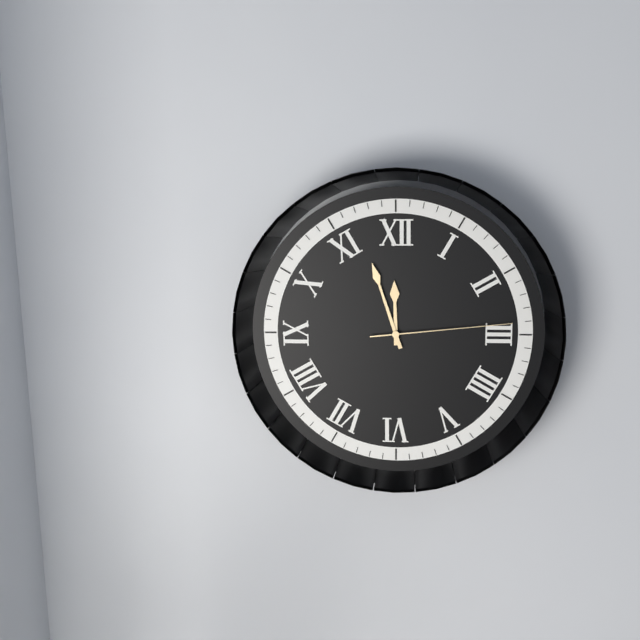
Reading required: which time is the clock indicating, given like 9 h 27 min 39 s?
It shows 11 h 57 min 14 s
